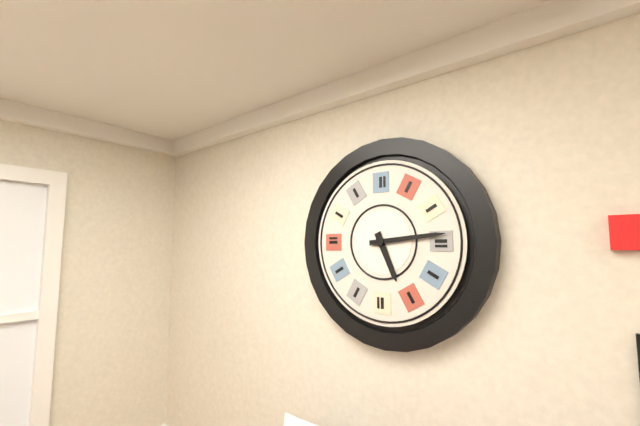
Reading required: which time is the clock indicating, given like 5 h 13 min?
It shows 5 h 14 min
